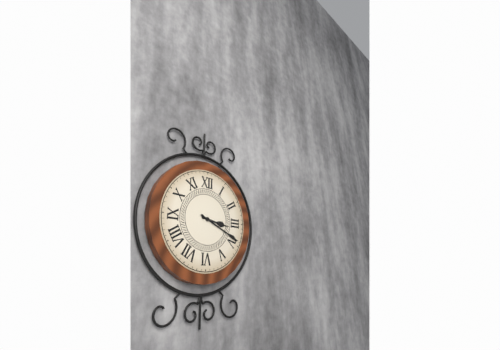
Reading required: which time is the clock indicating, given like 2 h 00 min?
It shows 3 h 19 min
